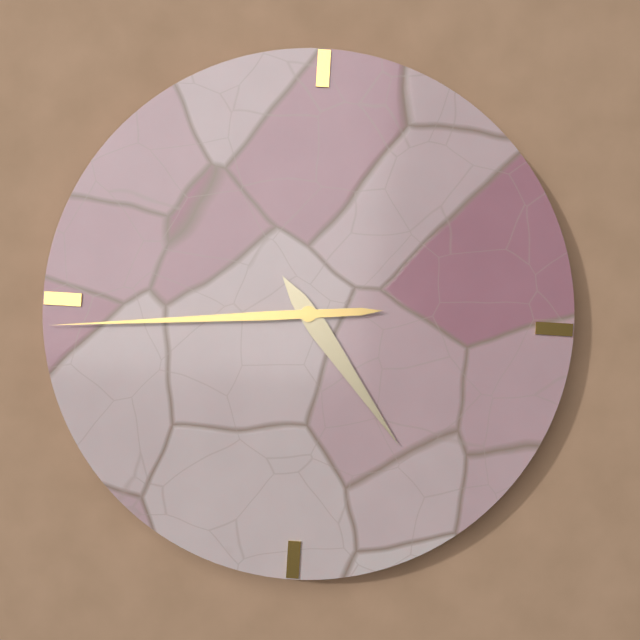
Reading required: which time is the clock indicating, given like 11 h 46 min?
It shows 4 h 44 min
